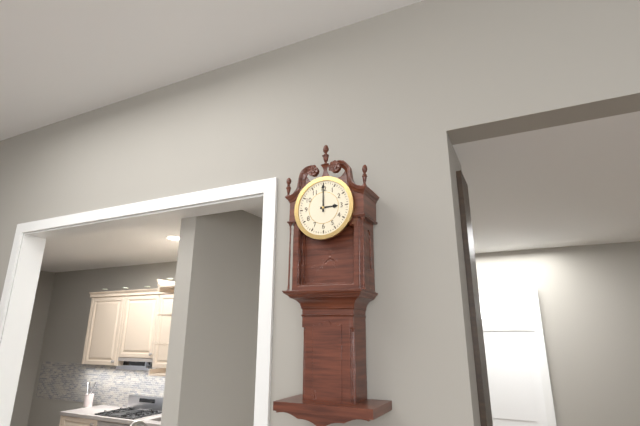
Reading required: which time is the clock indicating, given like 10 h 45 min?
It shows 3 h 00 min
